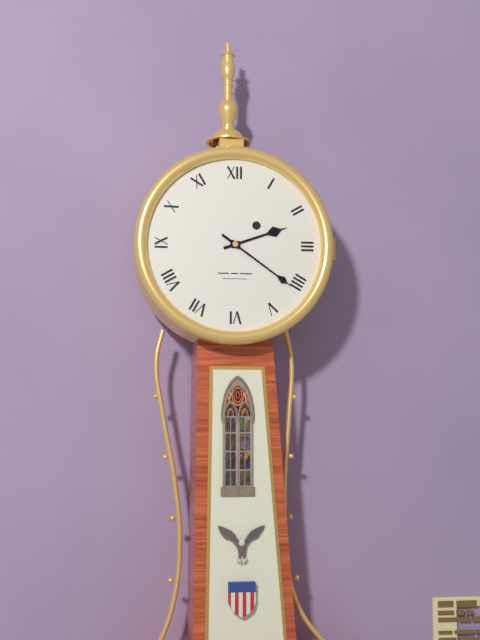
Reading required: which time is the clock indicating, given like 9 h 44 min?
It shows 2 h 21 min
